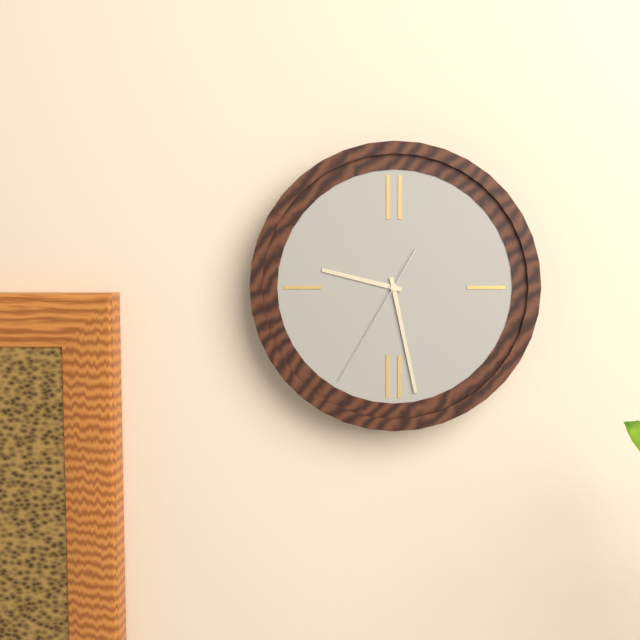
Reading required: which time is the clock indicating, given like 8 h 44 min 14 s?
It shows 9 h 28 min 35 s
